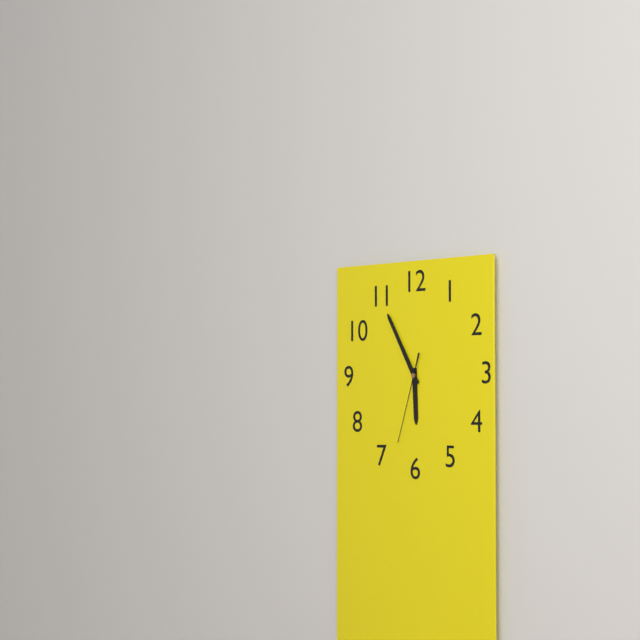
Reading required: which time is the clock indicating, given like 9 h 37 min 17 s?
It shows 5 h 55 min 33 s
